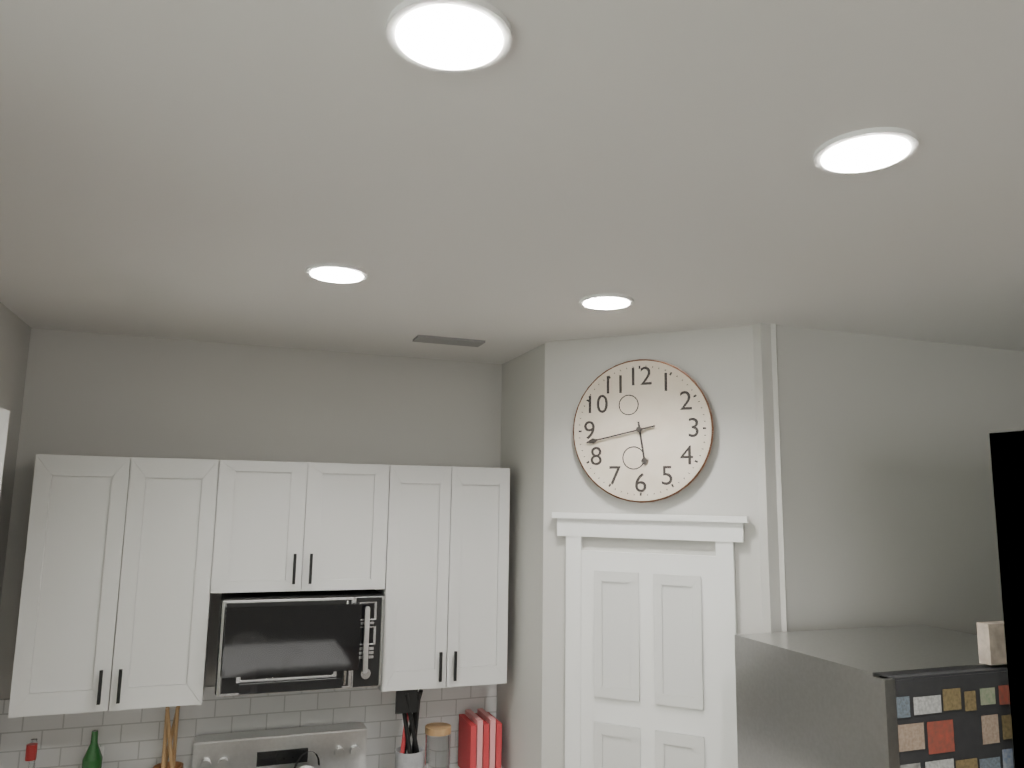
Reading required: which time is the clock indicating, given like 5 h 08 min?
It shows 5 h 43 min
